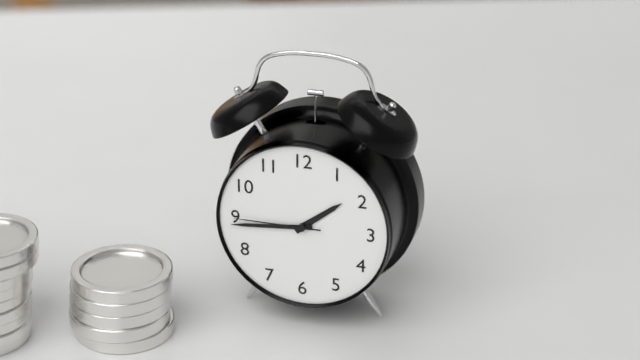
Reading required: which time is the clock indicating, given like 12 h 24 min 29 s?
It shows 1 h 44 min 45 s
